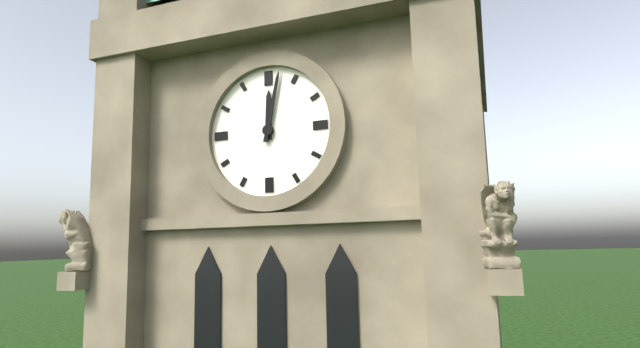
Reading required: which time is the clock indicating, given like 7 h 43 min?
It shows 12 h 02 min
